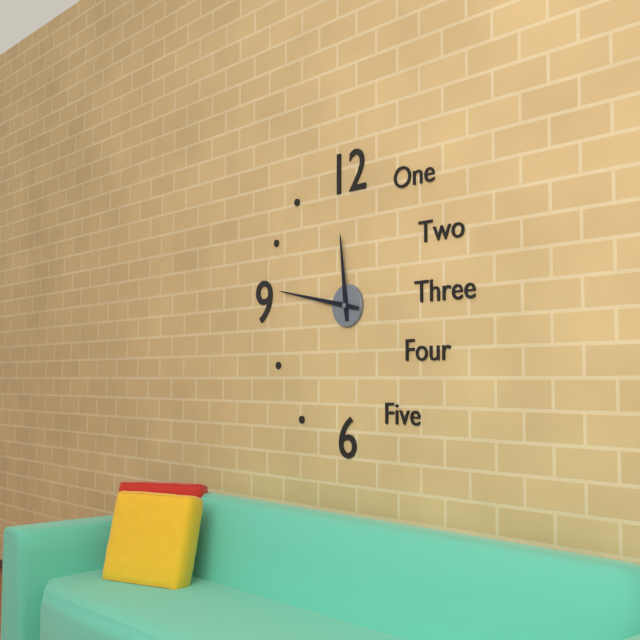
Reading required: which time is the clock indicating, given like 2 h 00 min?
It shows 11 h 47 min
